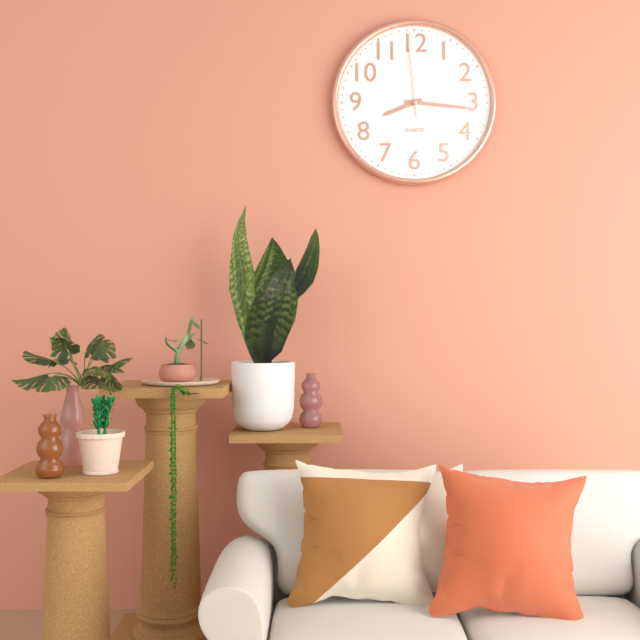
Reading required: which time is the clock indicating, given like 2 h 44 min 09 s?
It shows 8 h 16 min 59 s
